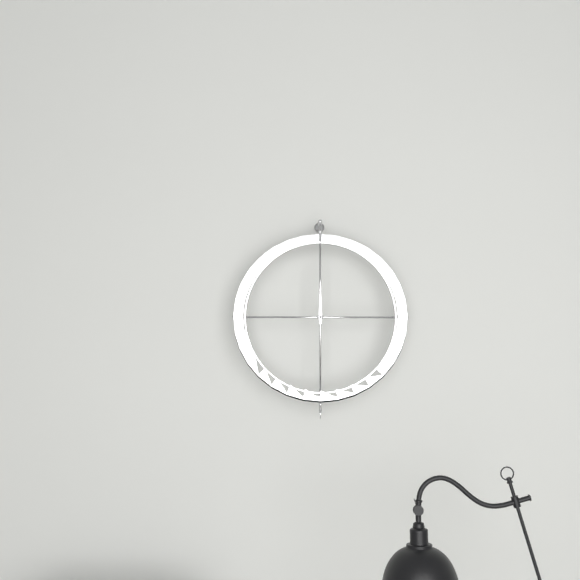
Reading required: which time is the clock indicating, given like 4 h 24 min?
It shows 12 h 00 min
